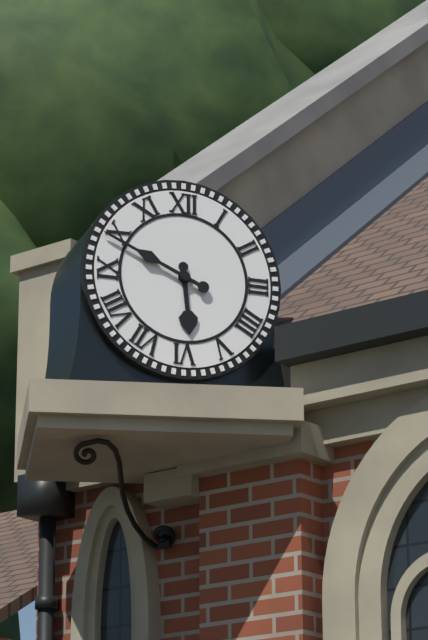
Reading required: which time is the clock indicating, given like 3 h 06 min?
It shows 5 h 49 min
